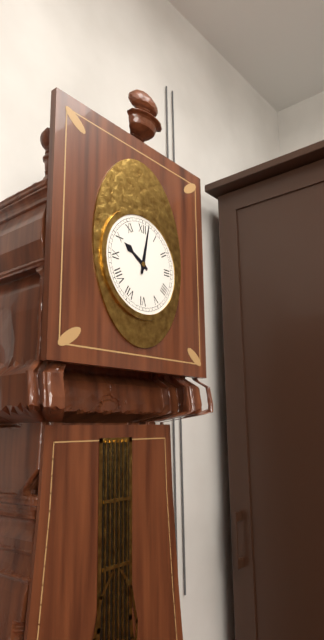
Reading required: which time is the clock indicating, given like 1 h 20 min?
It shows 10 h 02 min
